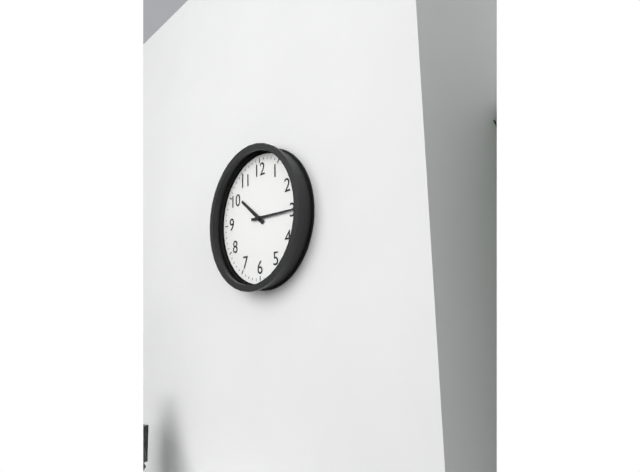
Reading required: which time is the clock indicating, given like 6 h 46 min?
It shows 10 h 15 min
